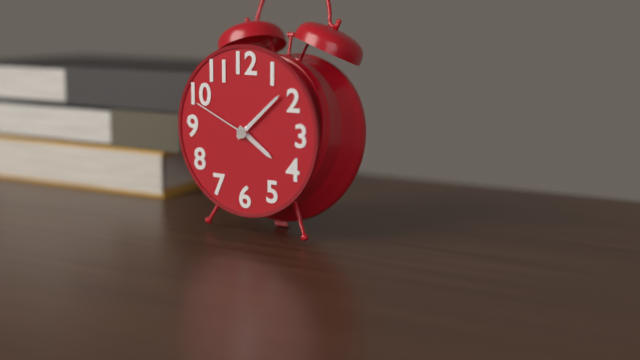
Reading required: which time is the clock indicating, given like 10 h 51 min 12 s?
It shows 4 h 08 min 49 s
